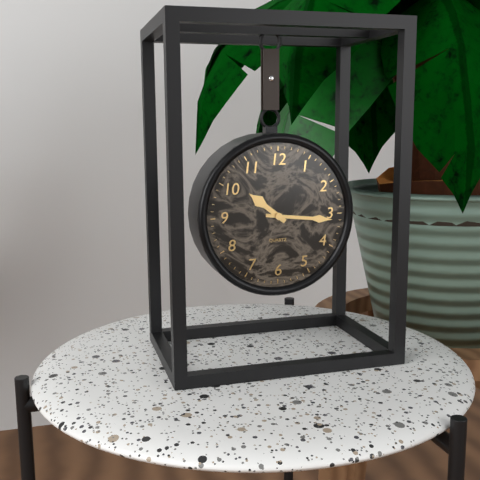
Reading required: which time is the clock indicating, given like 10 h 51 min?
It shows 10 h 16 min
